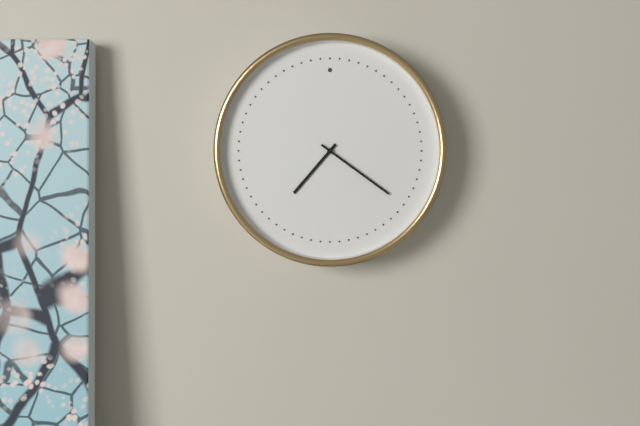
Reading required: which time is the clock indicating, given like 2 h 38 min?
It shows 7 h 21 min
